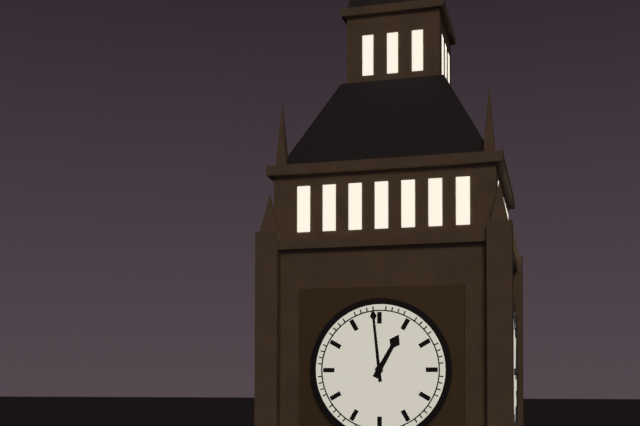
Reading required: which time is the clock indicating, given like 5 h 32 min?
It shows 12 h 59 min
